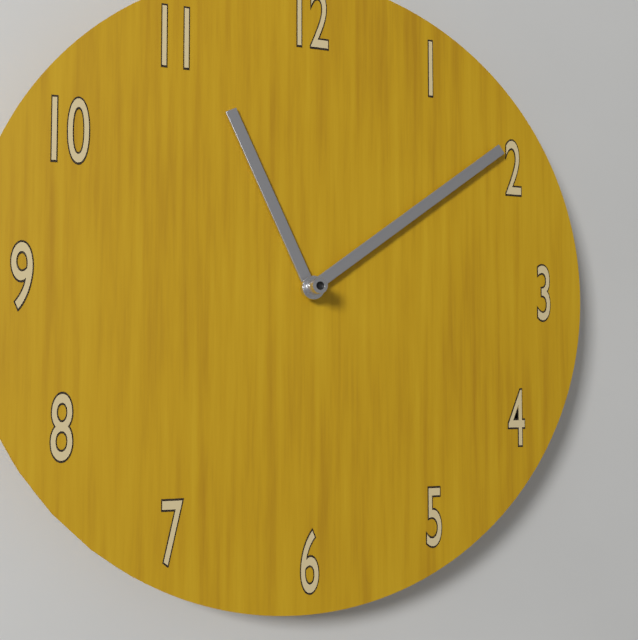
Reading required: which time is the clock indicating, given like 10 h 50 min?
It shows 11 h 09 min
